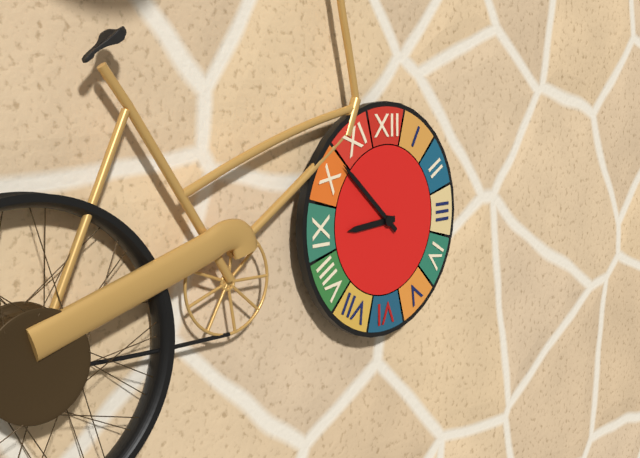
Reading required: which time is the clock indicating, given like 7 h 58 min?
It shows 8 h 52 min
